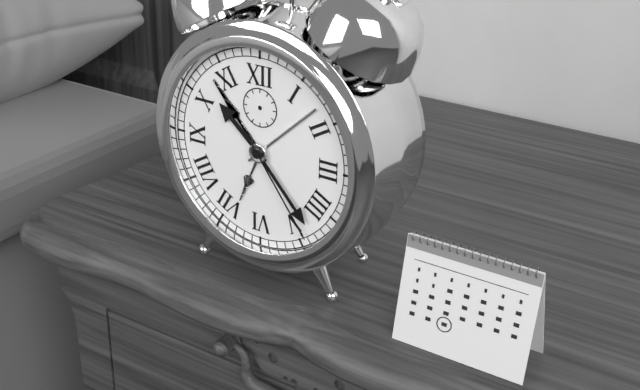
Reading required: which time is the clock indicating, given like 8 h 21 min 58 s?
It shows 10 h 23 min 24 s
